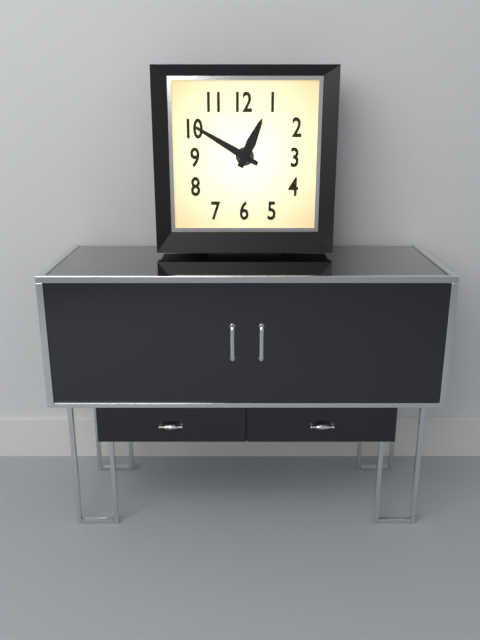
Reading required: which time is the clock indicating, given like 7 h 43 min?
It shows 12 h 50 min
